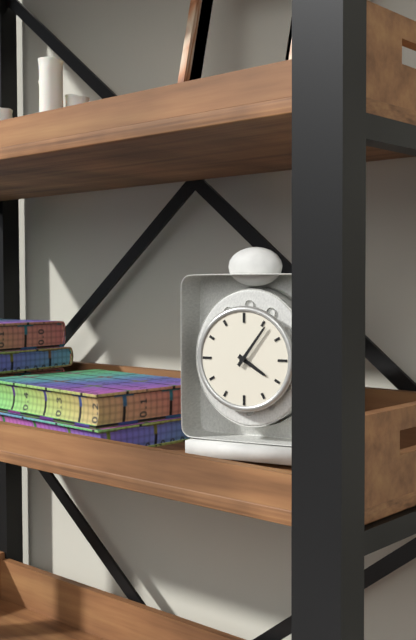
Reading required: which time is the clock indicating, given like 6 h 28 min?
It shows 4 h 06 min
